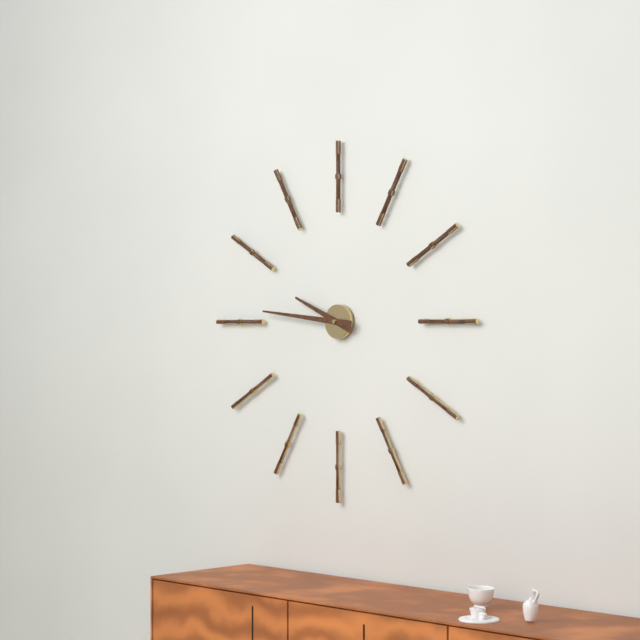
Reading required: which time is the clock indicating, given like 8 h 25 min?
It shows 9 h 46 min
